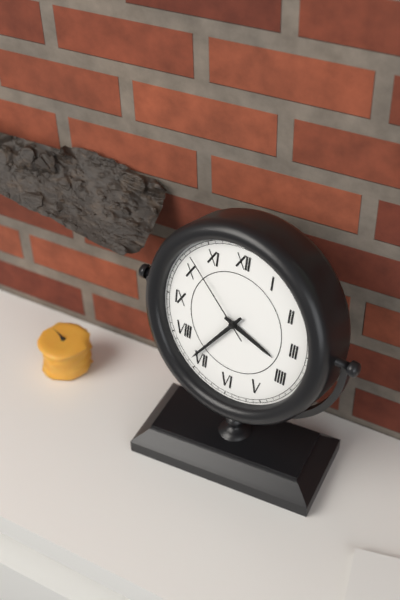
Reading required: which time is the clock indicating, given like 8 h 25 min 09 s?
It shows 3 h 36 min 52 s
